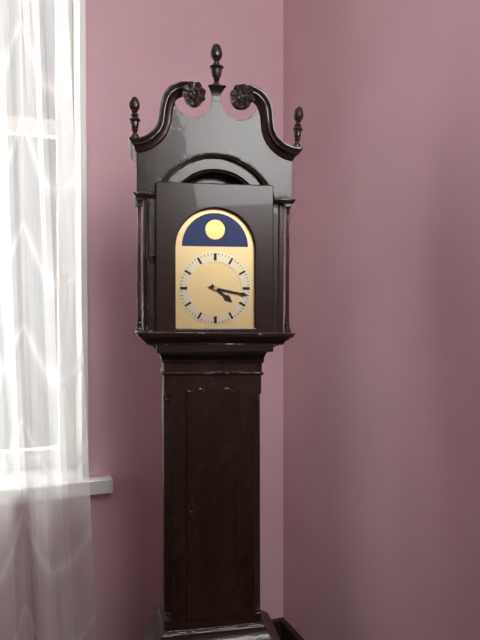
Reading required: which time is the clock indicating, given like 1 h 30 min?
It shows 4 h 17 min
